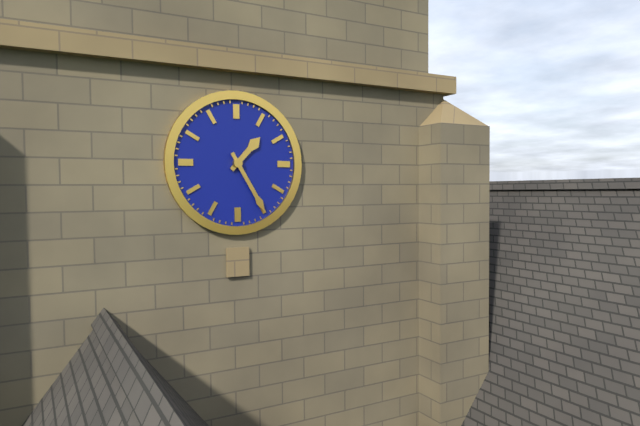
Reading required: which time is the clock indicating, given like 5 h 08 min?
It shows 1 h 25 min
